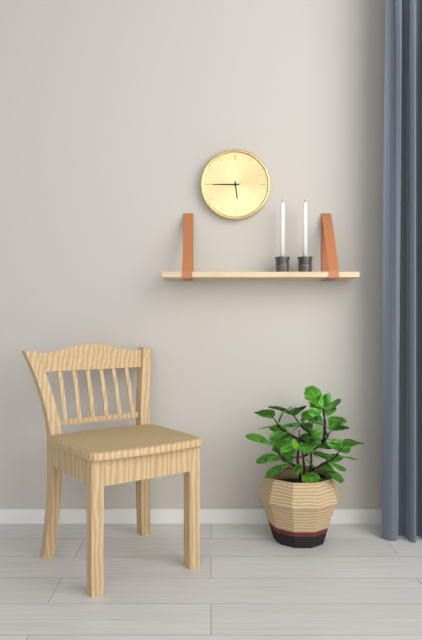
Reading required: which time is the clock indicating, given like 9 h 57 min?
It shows 5 h 45 min
